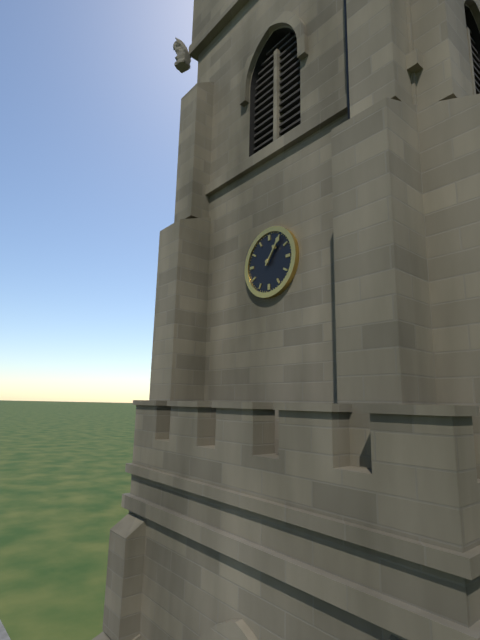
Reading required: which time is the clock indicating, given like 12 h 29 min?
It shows 1 h 06 min
